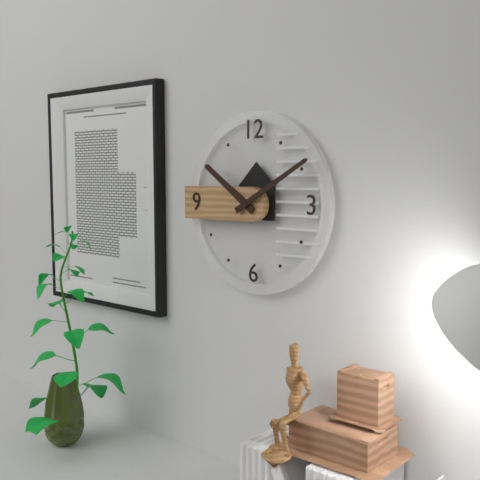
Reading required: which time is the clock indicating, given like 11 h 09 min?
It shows 10 h 10 min
